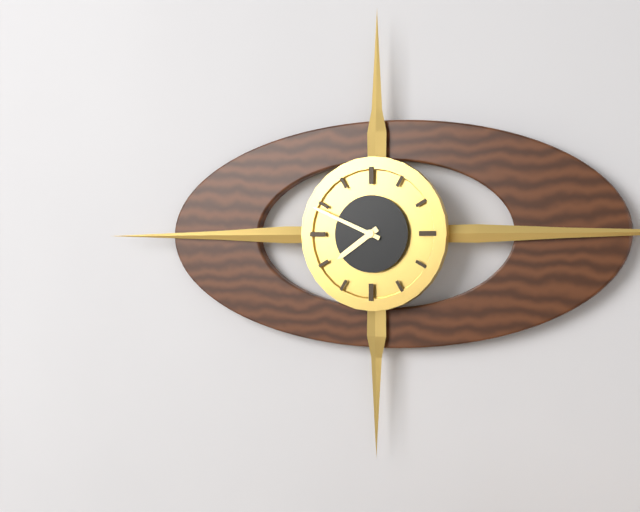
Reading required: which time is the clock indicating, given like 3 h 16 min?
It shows 7 h 49 min
